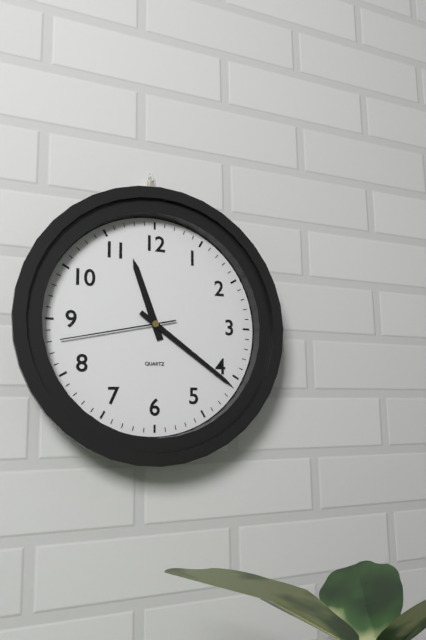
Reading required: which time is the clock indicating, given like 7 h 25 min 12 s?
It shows 11 h 21 min 43 s
